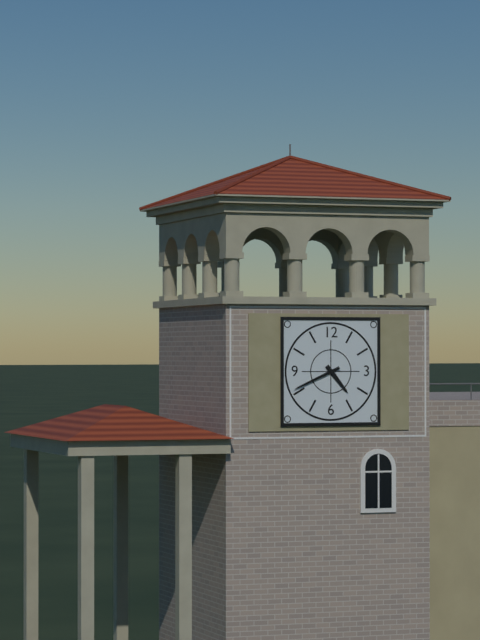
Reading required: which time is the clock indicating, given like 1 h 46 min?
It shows 4 h 41 min
